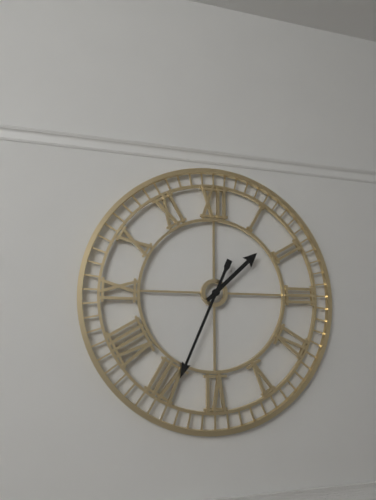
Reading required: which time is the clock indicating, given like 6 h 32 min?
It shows 1 h 34 min
